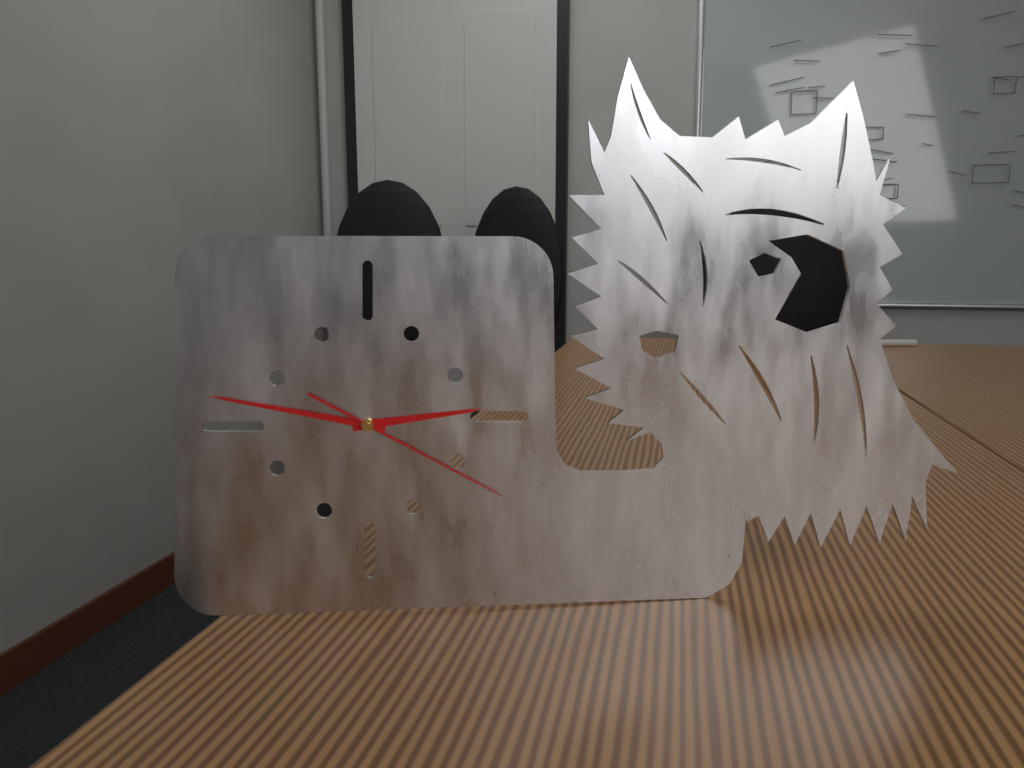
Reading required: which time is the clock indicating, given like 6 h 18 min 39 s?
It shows 2 h 47 min 20 s
